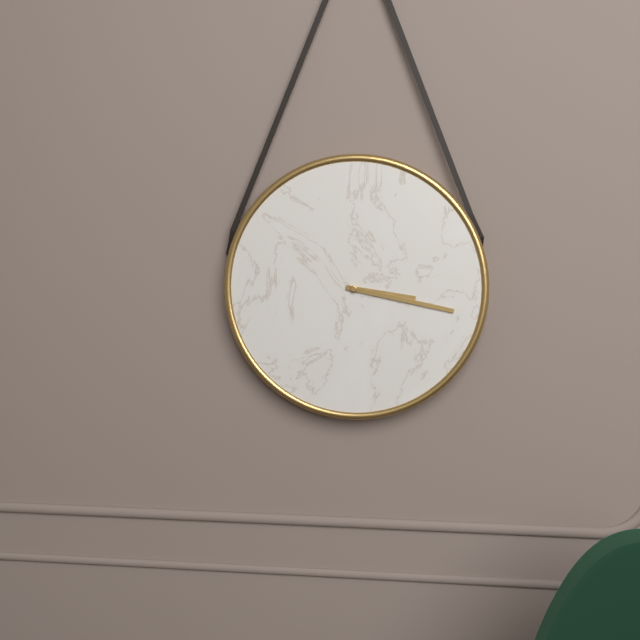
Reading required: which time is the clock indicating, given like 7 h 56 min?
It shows 3 h 17 min
